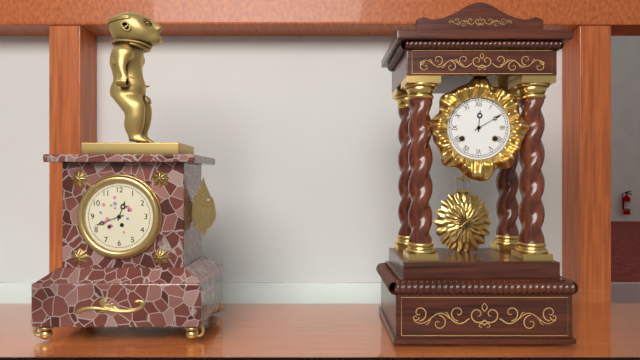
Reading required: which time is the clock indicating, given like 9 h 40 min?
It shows 12 h 10 min
